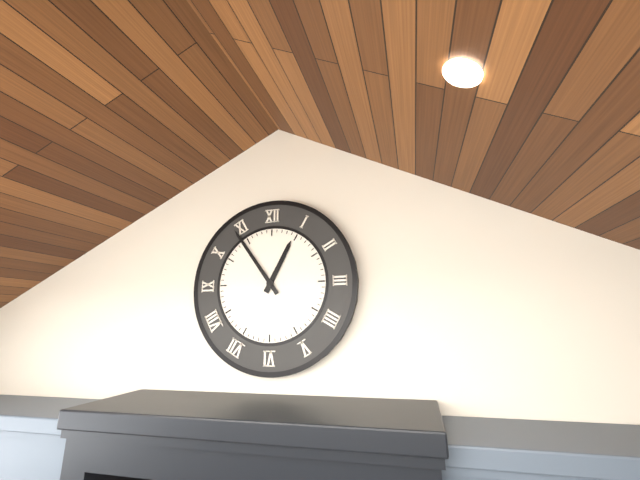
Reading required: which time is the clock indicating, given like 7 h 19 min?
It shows 12 h 54 min
